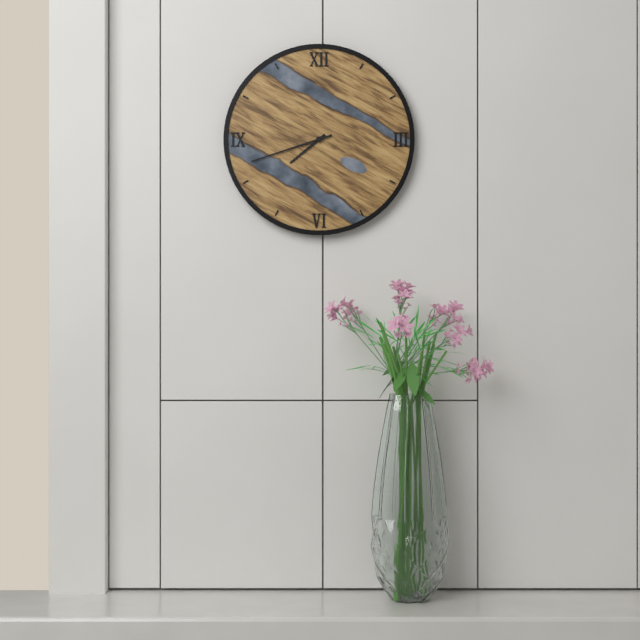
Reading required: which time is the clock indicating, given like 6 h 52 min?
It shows 7 h 42 min
